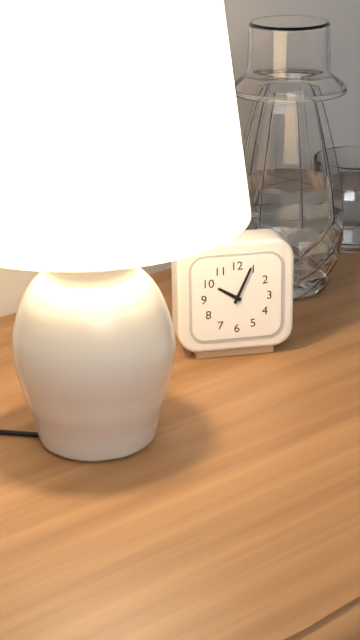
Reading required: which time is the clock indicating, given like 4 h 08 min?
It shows 10 h 04 min
